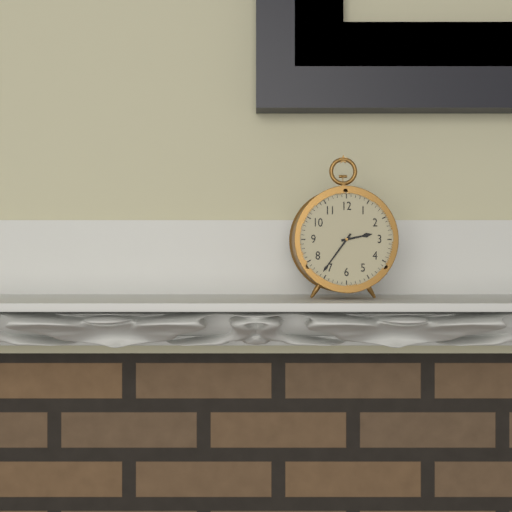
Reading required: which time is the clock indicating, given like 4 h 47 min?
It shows 2 h 36 min
